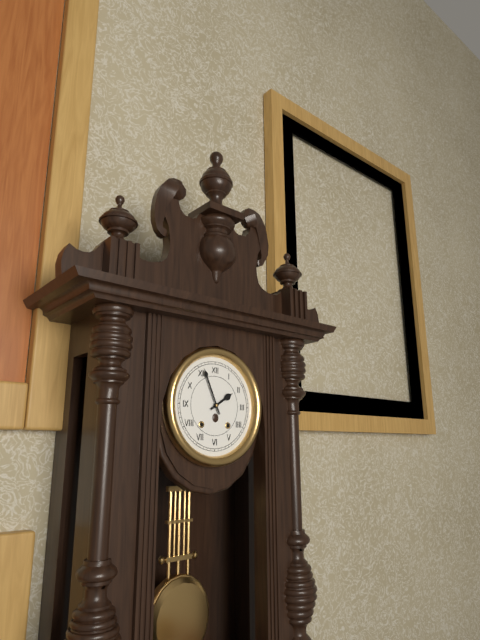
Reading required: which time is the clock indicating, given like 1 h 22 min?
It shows 1 h 56 min
